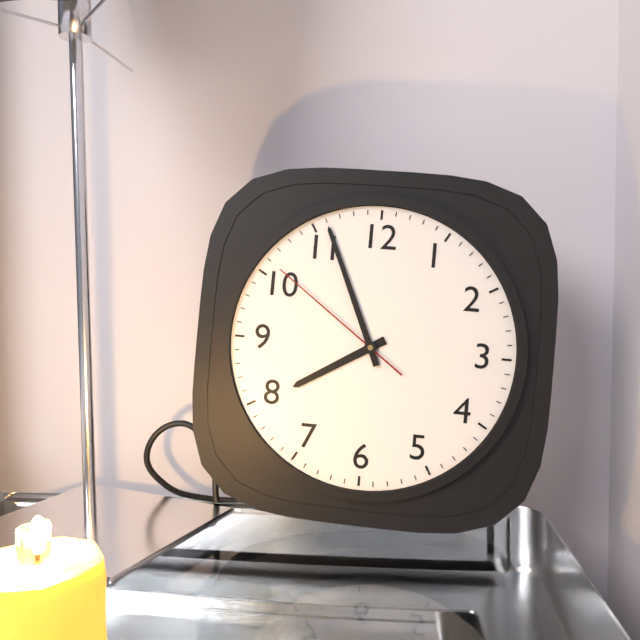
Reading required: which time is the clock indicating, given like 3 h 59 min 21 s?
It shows 7 h 56 min 51 s
